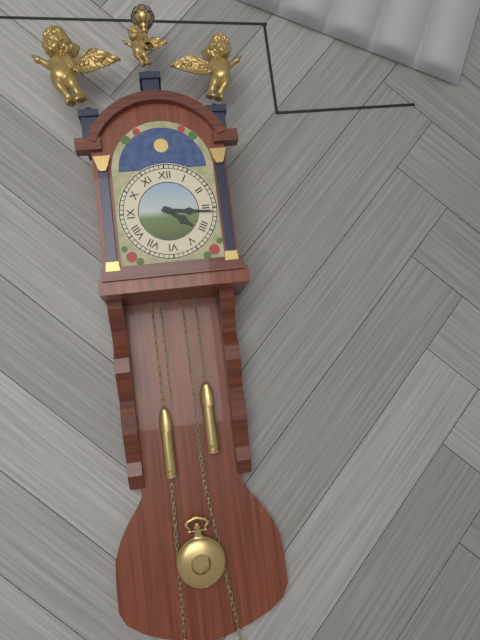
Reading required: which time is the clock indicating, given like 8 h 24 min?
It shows 4 h 16 min
